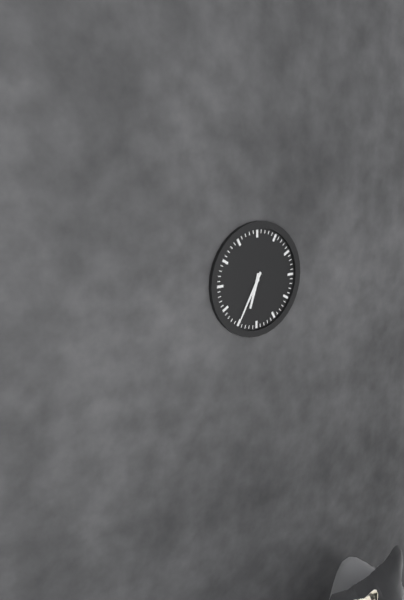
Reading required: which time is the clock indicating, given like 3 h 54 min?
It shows 6 h 35 min
